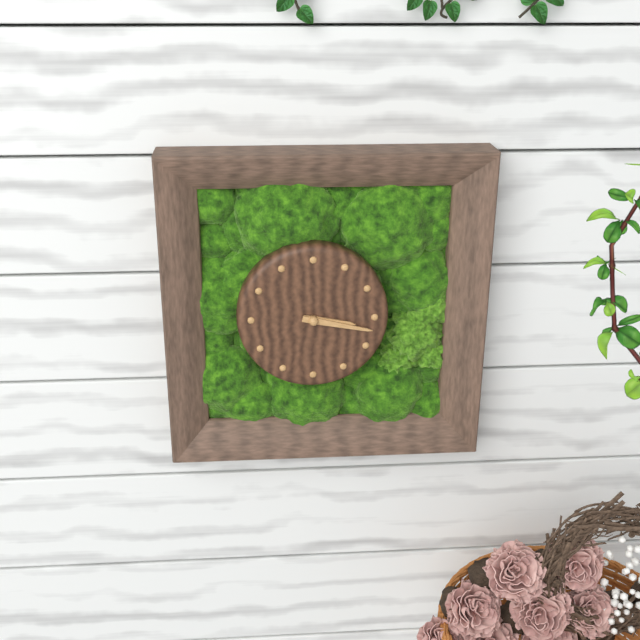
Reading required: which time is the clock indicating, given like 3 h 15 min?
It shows 3 h 17 min
